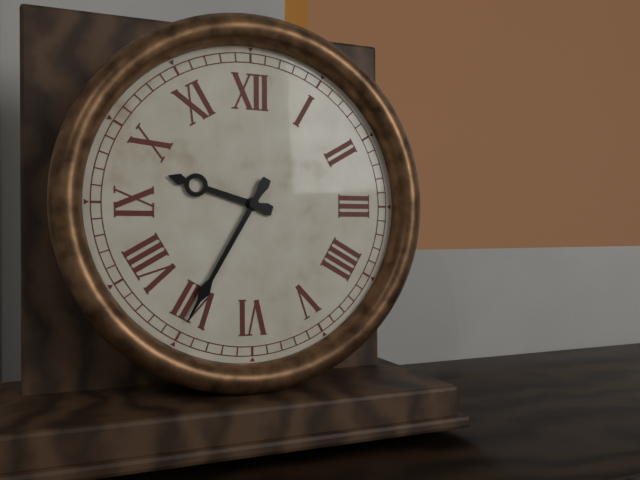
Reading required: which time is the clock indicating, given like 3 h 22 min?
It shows 9 h 35 min
